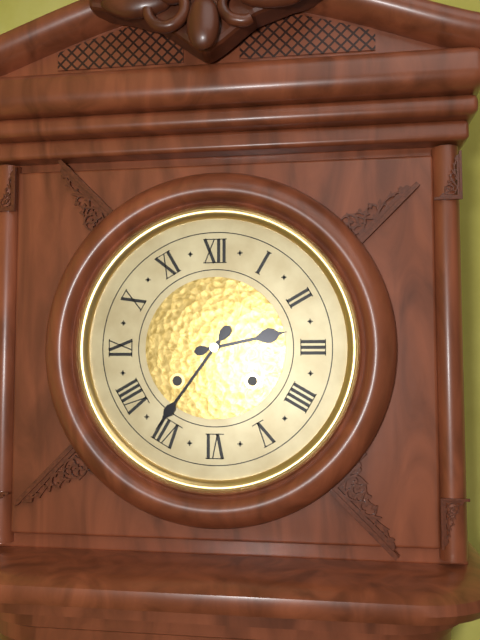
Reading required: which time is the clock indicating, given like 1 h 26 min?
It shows 2 h 36 min
